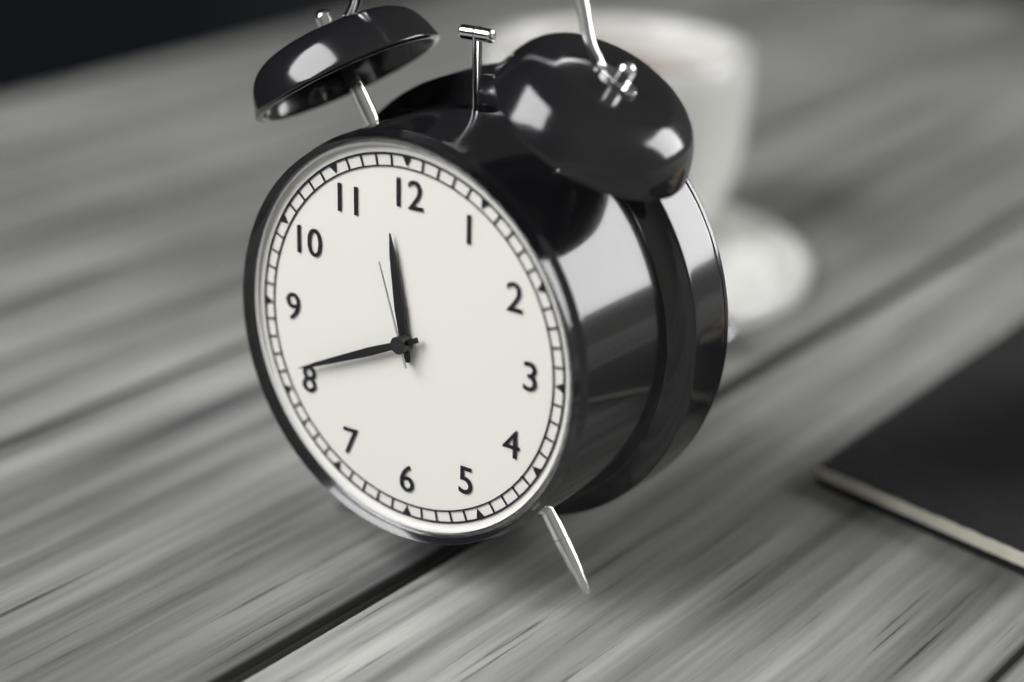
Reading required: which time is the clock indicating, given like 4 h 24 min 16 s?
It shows 11 h 41 min 57 s
